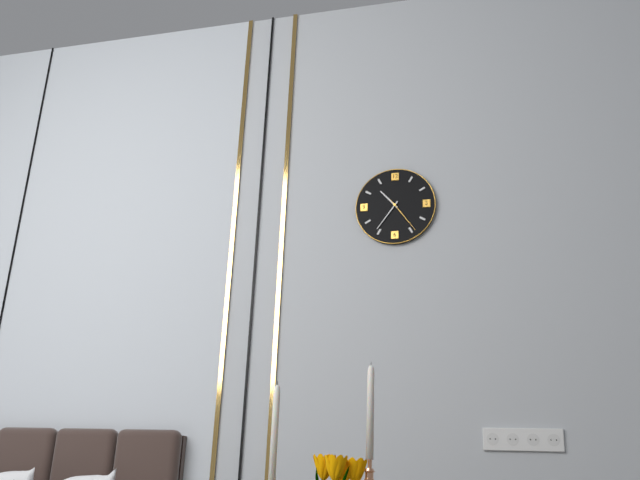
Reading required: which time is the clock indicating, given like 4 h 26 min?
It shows 10 h 36 min
